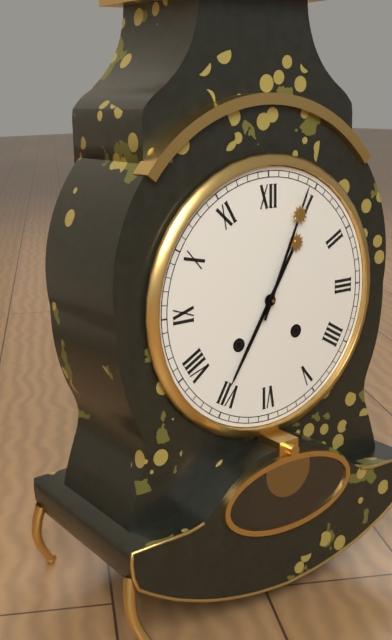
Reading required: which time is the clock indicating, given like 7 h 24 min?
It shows 7 h 04 min
